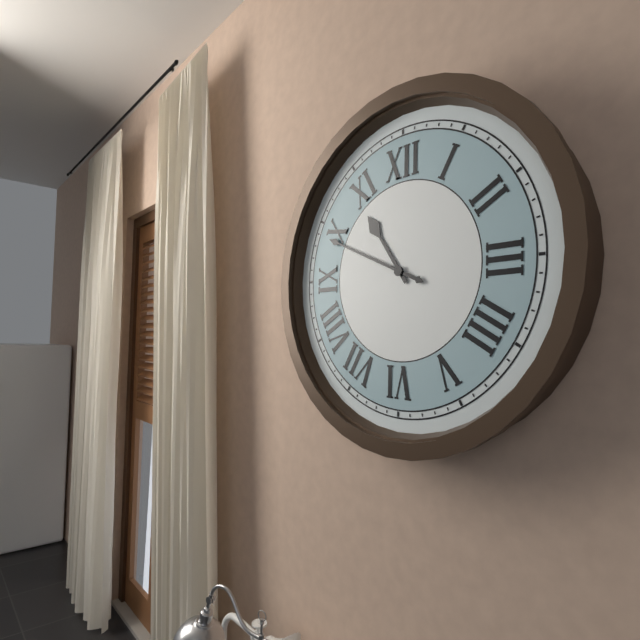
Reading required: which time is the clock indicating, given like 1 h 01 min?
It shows 10 h 49 min
